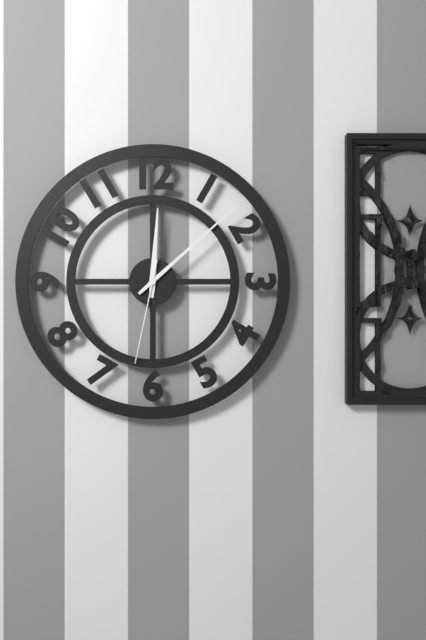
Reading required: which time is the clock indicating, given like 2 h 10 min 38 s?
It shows 12 h 08 min 32 s
